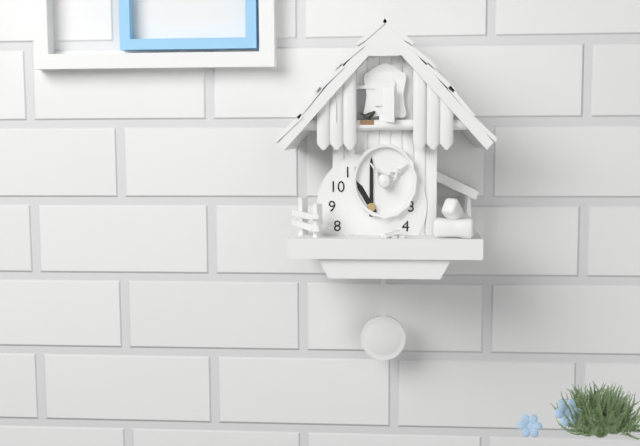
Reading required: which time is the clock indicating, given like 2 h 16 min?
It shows 11 h 00 min
